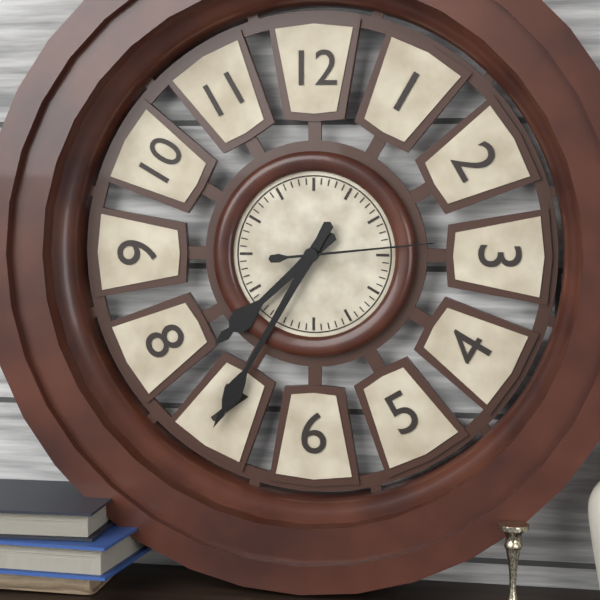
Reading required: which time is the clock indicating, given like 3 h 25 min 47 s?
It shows 7 h 35 min 14 s
